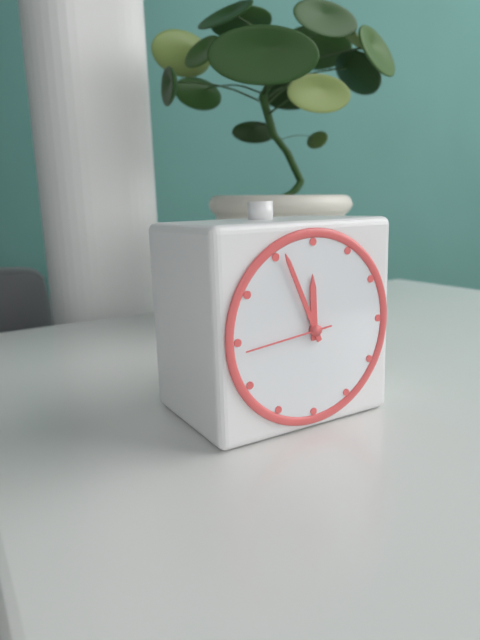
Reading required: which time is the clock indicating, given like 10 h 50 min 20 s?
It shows 11 h 56 min 44 s
